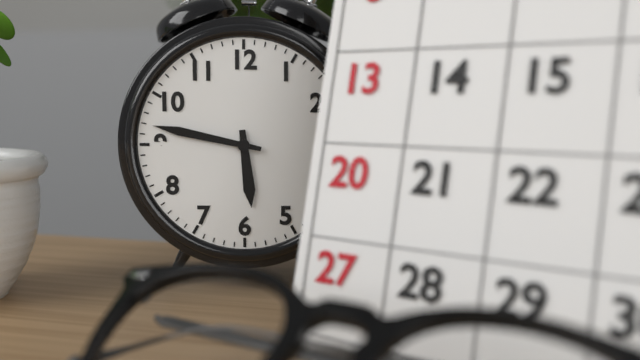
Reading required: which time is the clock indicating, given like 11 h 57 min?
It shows 5 h 47 min
